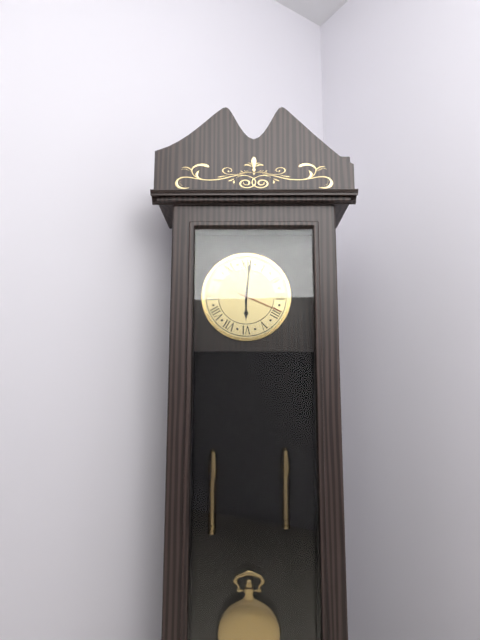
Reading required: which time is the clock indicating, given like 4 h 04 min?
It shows 6 h 01 min
